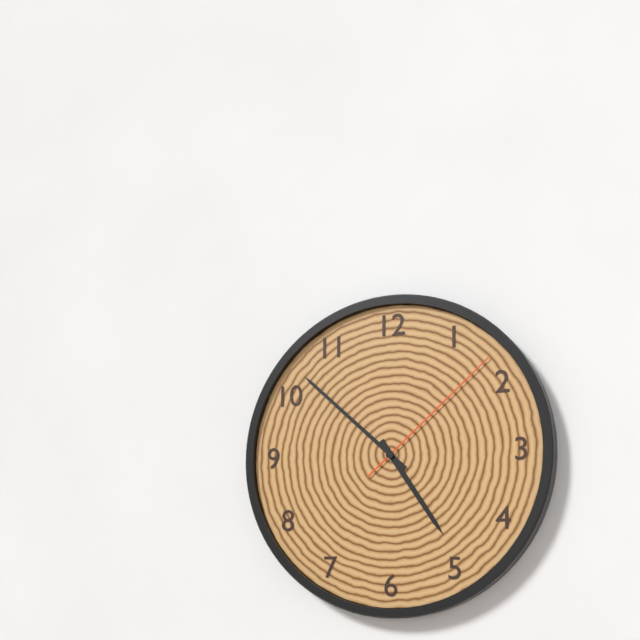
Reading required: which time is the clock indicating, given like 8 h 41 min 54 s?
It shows 4 h 52 min 08 s
